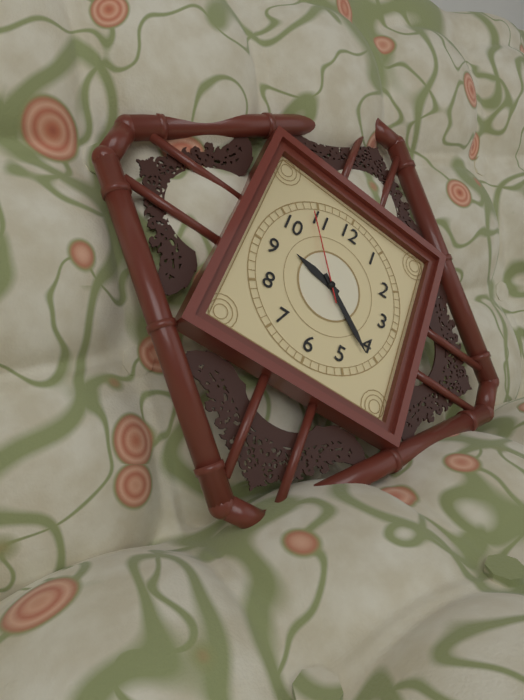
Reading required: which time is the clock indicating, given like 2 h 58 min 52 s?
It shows 9 h 21 min 54 s
